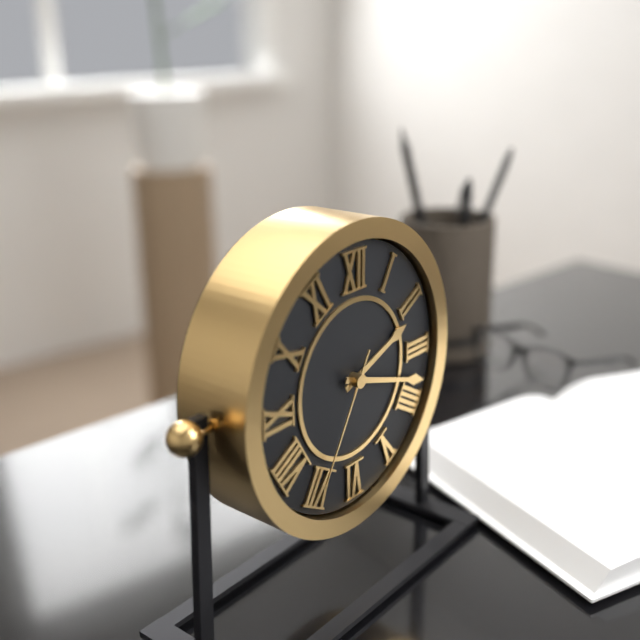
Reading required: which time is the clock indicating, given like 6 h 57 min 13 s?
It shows 2 h 18 min 35 s
